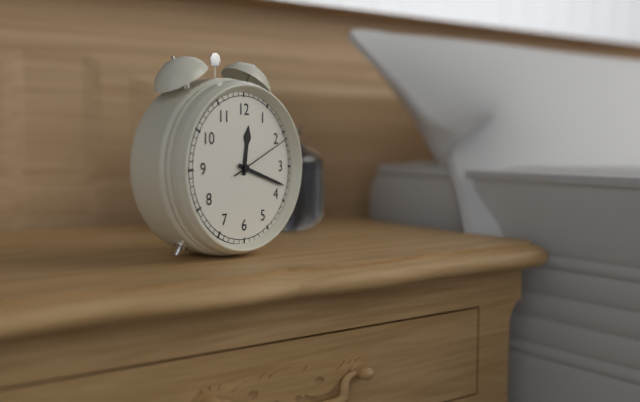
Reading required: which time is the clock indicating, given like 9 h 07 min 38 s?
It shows 12 h 18 min 11 s
